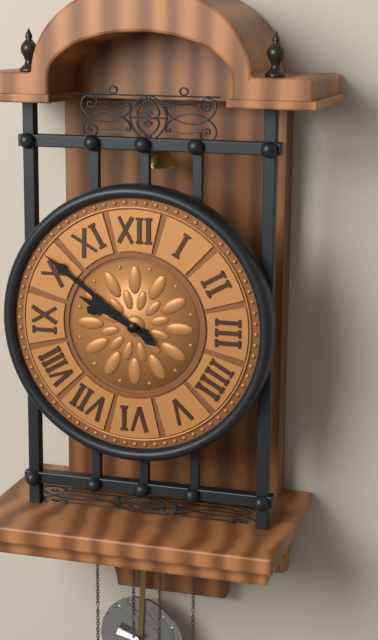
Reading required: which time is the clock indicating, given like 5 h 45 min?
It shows 9 h 51 min
